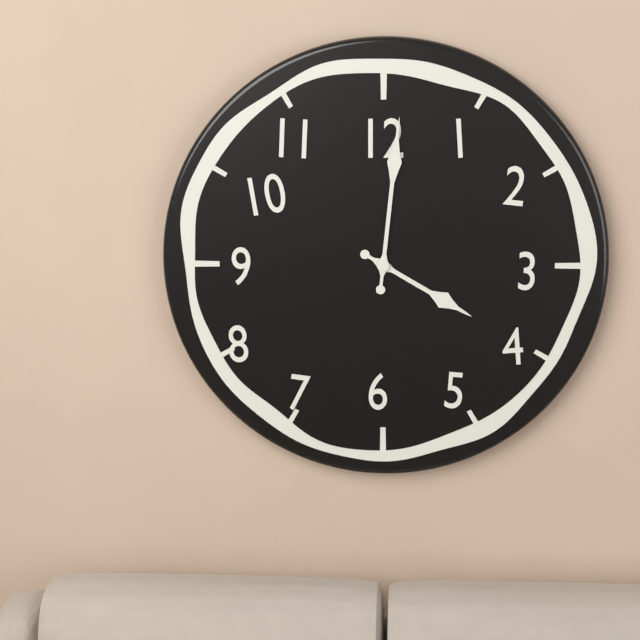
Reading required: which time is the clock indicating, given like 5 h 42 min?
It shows 4 h 01 min
